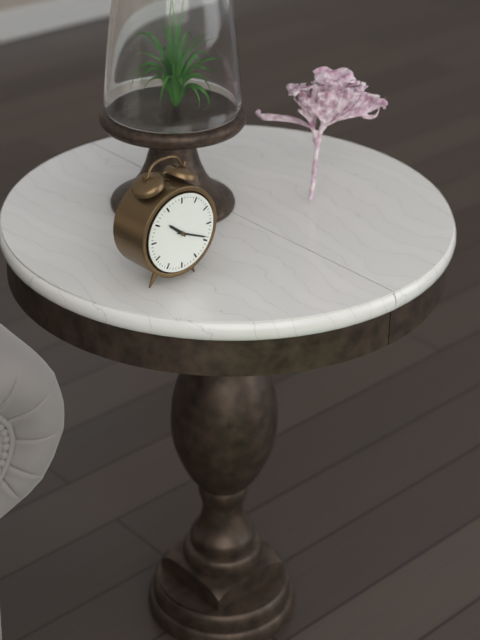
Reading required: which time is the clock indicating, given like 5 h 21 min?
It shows 10 h 19 min
